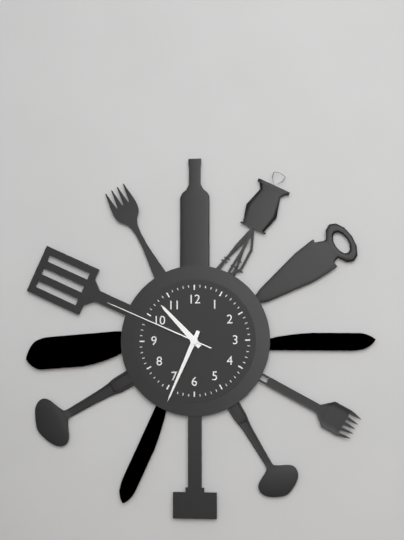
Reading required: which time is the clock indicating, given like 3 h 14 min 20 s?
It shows 10 h 34 min 49 s
